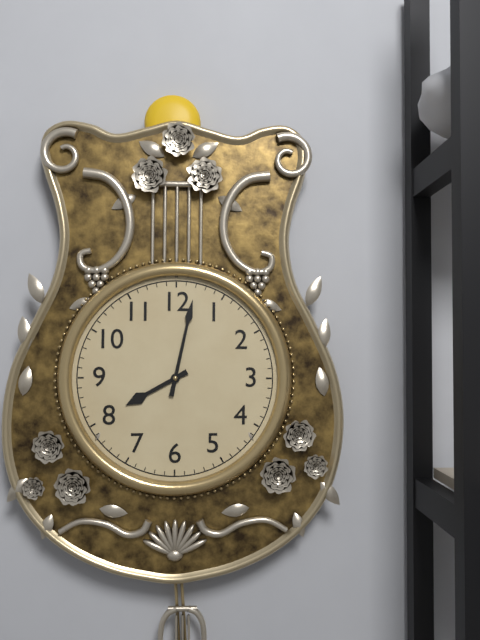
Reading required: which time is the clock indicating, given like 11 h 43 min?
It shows 8 h 02 min
